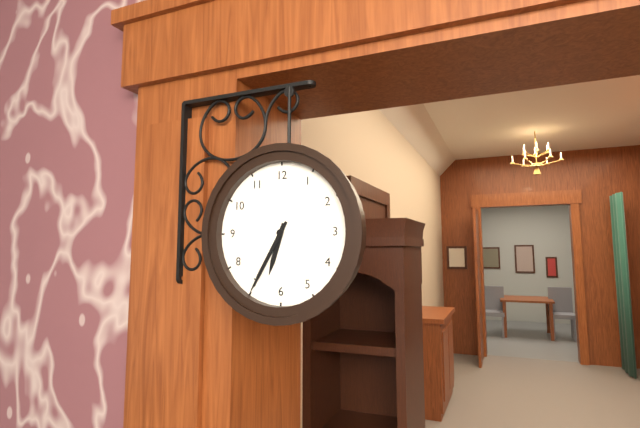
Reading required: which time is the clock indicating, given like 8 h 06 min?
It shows 6 h 35 min
